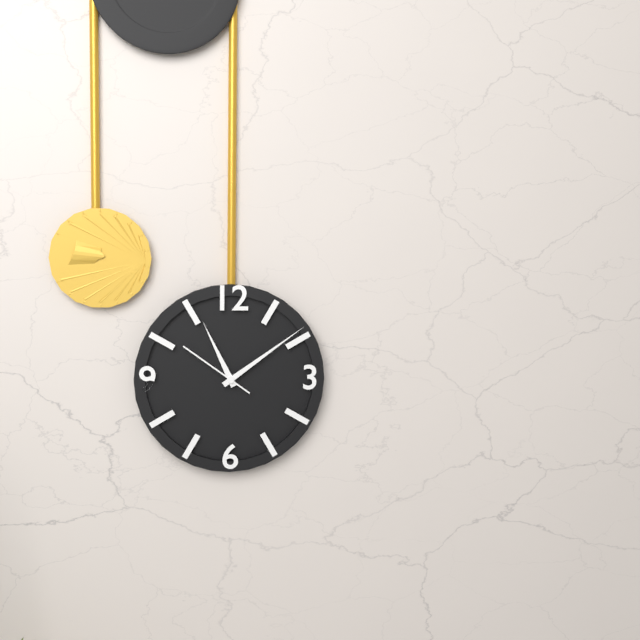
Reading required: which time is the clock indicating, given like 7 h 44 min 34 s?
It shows 11 h 09 min 51 s
